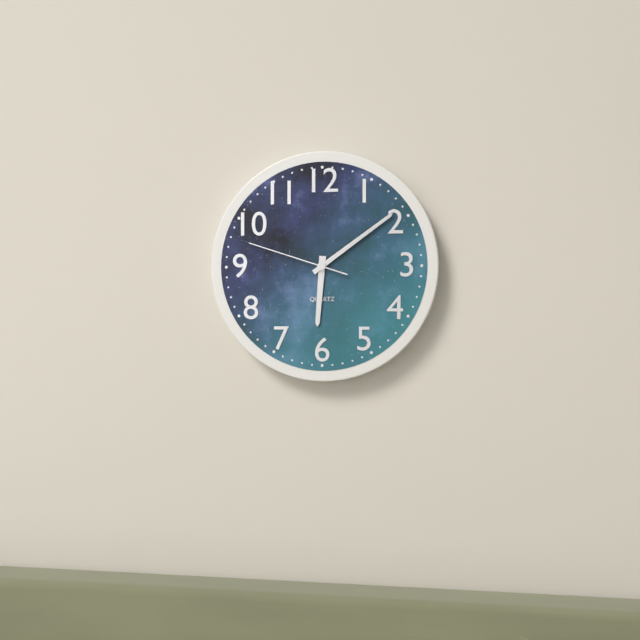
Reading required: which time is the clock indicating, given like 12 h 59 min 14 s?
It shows 6 h 09 min 48 s
